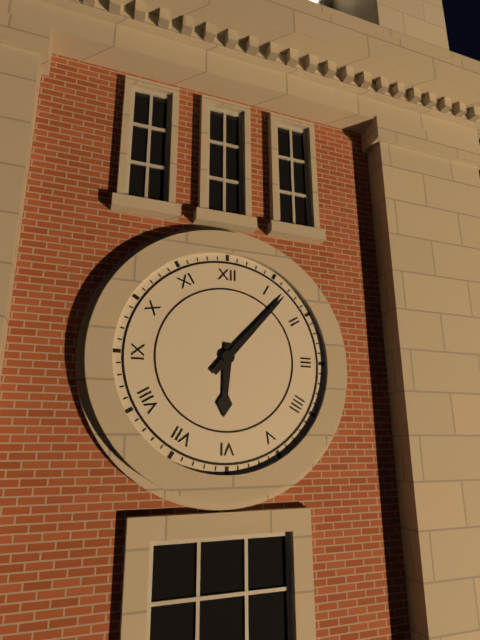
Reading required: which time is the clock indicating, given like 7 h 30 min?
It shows 6 h 07 min
